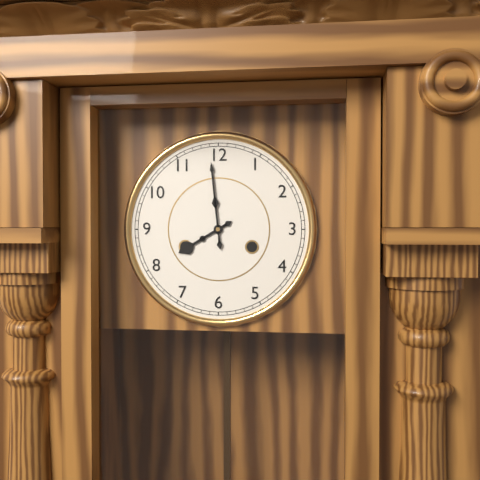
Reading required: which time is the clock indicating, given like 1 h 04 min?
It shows 7 h 59 min
